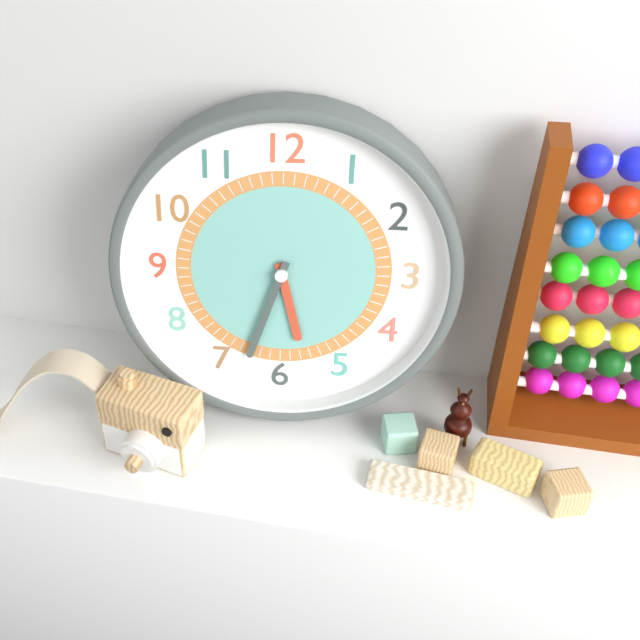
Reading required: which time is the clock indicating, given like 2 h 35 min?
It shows 5 h 33 min
